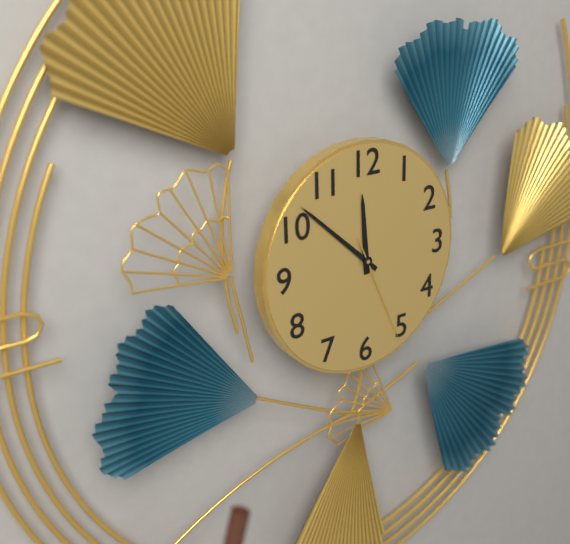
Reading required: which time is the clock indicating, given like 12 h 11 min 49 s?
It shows 11 h 52 min 26 s
